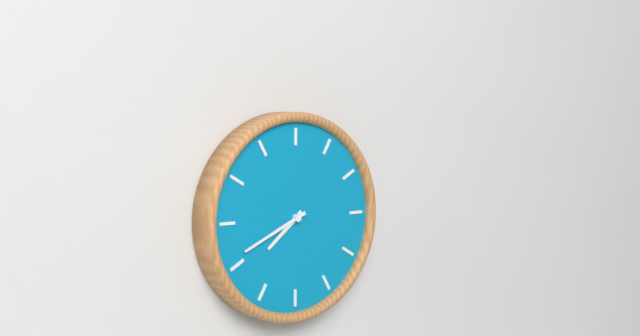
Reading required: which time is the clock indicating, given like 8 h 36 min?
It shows 7 h 41 min
